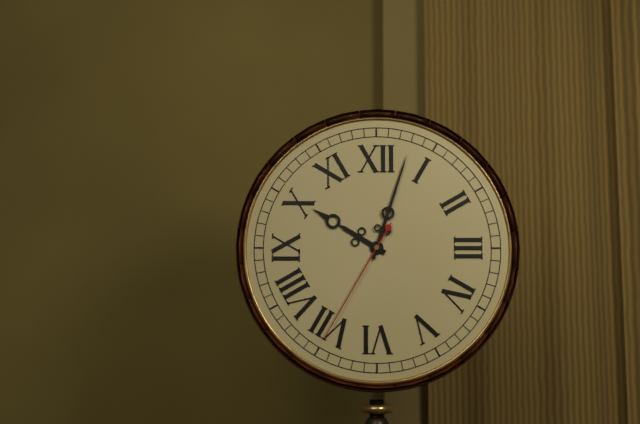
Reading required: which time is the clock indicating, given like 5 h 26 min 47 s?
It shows 10 h 03 min 35 s
